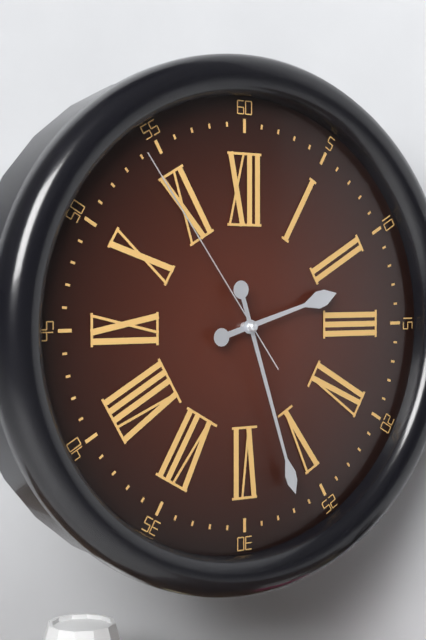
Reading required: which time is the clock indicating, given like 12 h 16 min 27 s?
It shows 2 h 27 min 54 s
